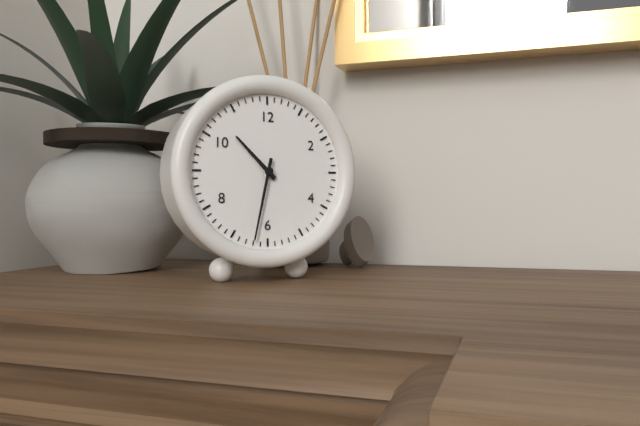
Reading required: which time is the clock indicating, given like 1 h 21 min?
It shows 10 h 32 min
